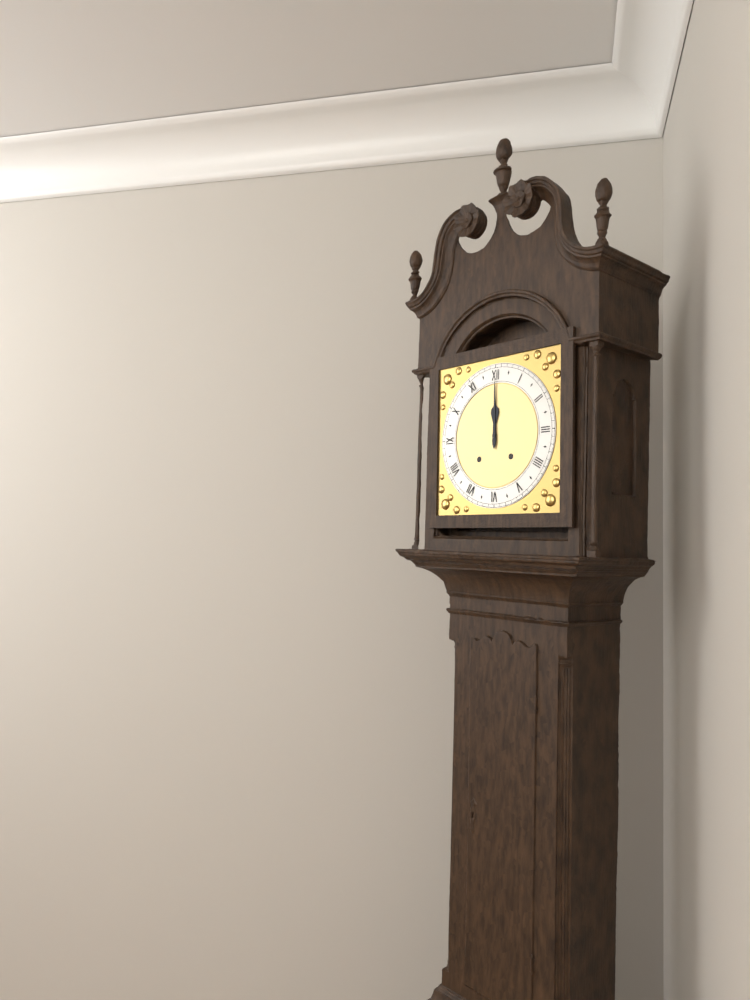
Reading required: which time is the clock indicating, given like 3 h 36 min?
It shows 12 h 00 min
